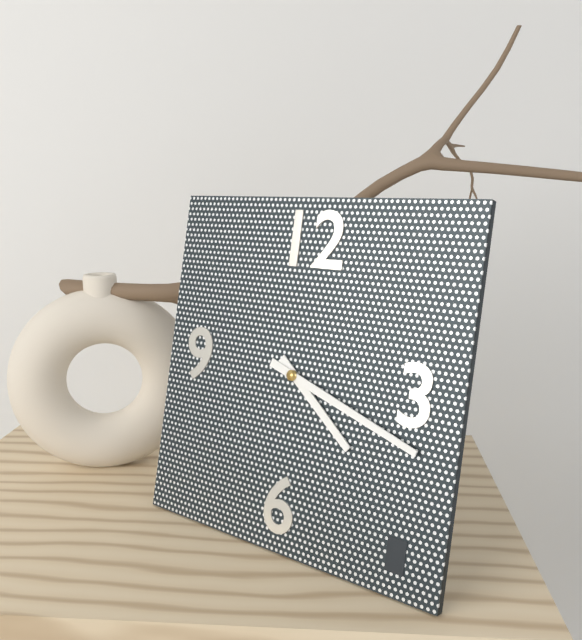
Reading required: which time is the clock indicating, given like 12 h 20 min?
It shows 4 h 18 min
